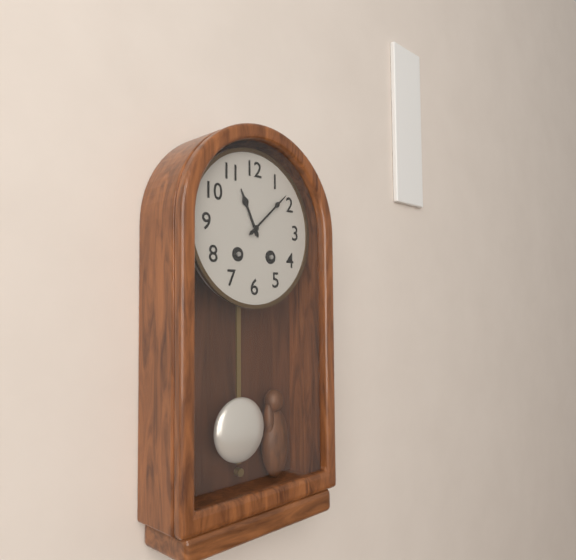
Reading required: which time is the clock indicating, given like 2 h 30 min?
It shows 11 h 08 min
